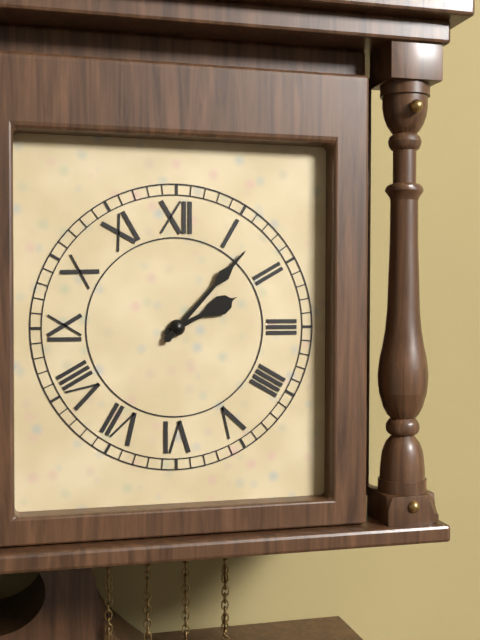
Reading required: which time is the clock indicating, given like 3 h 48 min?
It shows 2 h 07 min
